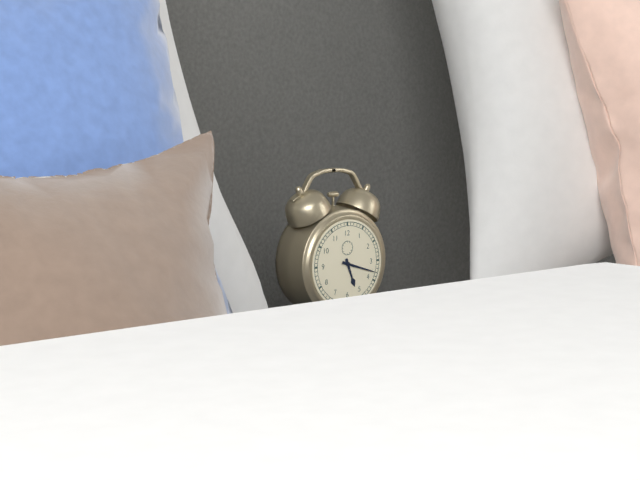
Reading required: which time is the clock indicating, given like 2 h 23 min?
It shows 5 h 18 min
